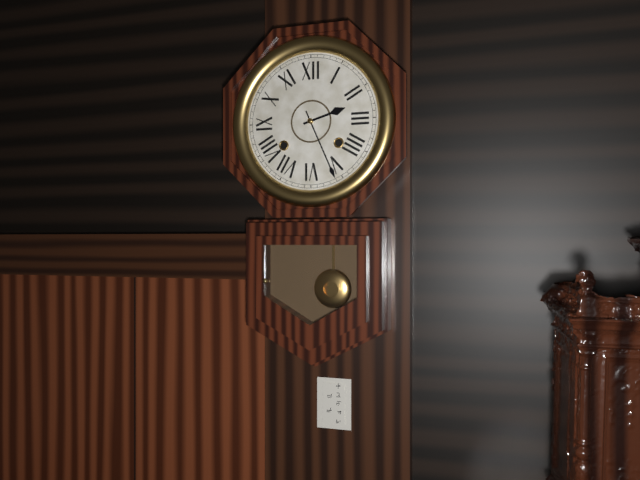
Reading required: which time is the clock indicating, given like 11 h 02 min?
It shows 2 h 26 min
